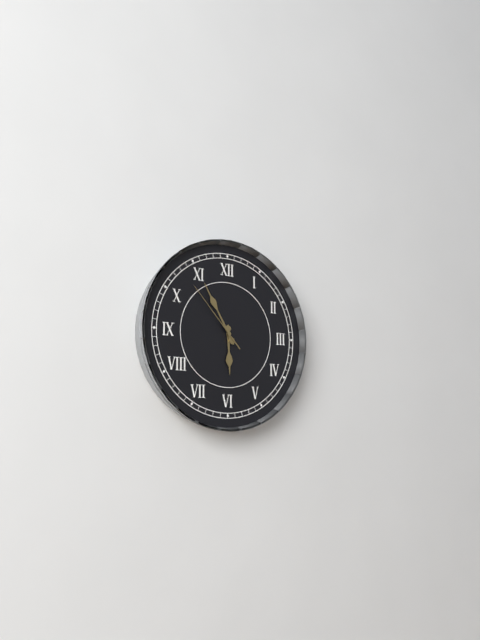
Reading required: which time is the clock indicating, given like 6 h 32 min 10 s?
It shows 5 h 55 min 53 s
